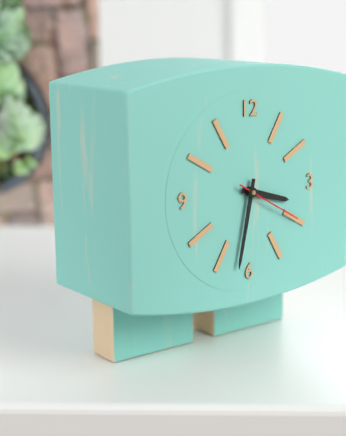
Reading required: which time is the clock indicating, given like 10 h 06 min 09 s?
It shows 3 h 32 min 20 s
